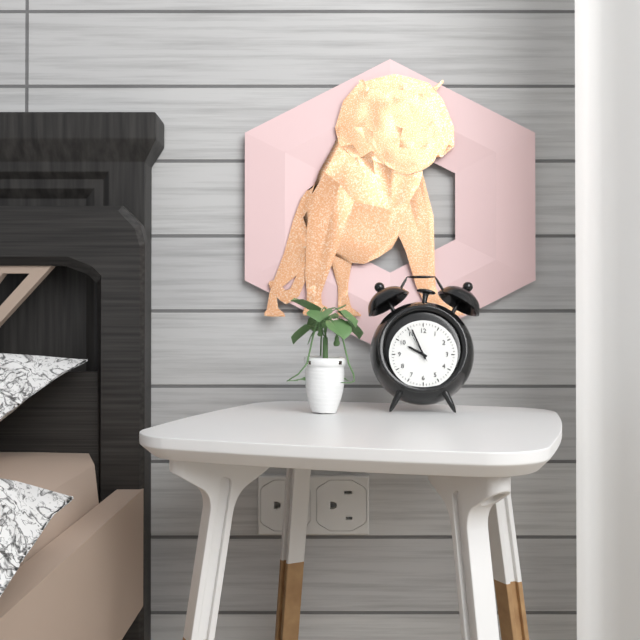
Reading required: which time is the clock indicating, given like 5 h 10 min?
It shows 9 h 56 min
